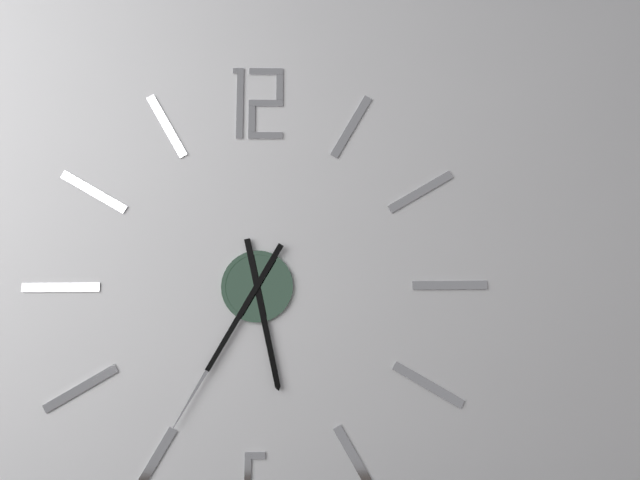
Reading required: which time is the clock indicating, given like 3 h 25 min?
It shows 5 h 35 min
